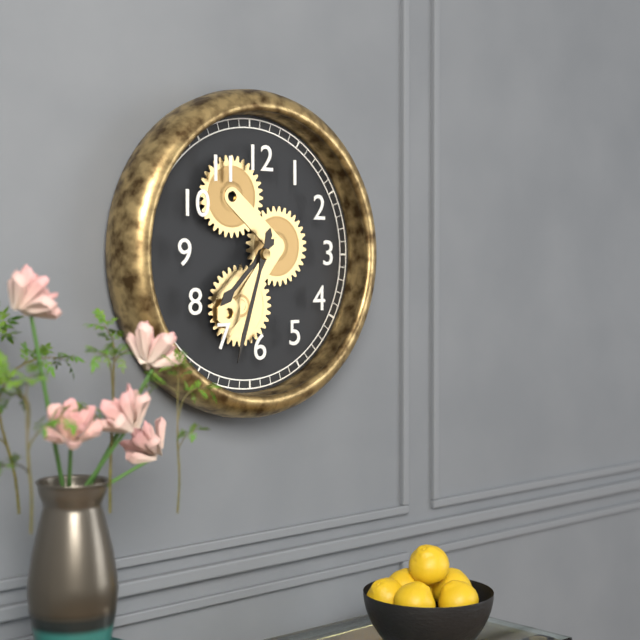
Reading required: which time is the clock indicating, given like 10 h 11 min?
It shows 7 h 33 min
